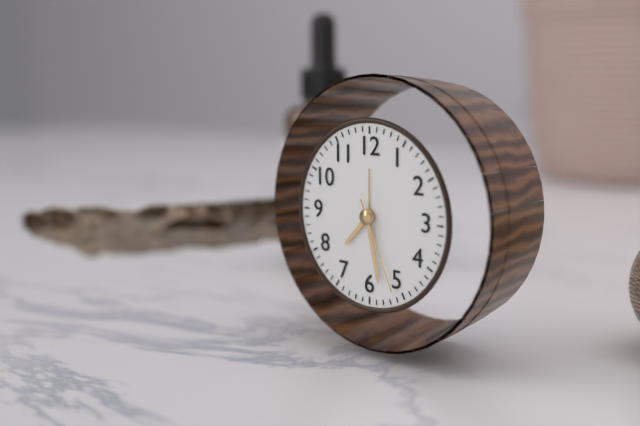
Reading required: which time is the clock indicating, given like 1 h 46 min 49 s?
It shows 7 h 28 min 26 s
